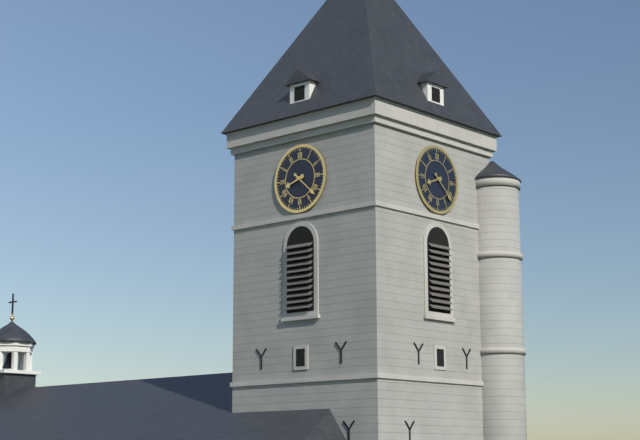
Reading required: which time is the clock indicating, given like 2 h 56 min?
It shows 8 h 22 min
